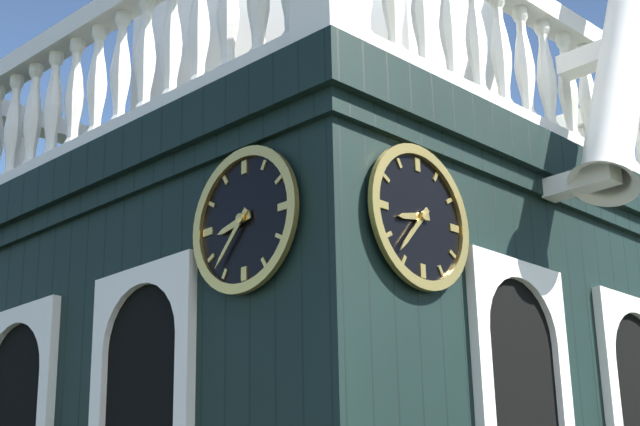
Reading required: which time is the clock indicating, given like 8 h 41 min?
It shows 8 h 37 min
